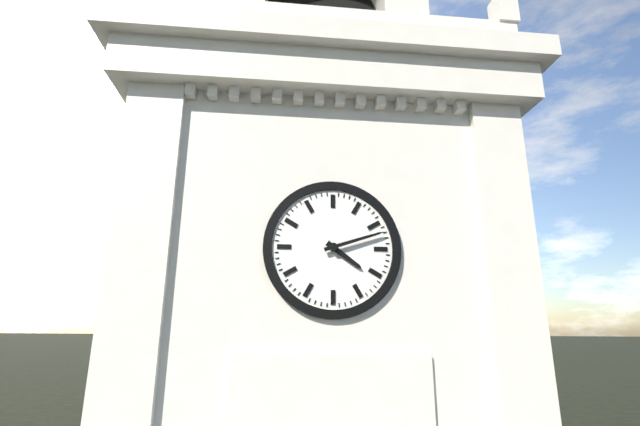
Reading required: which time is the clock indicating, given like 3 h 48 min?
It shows 4 h 12 min
